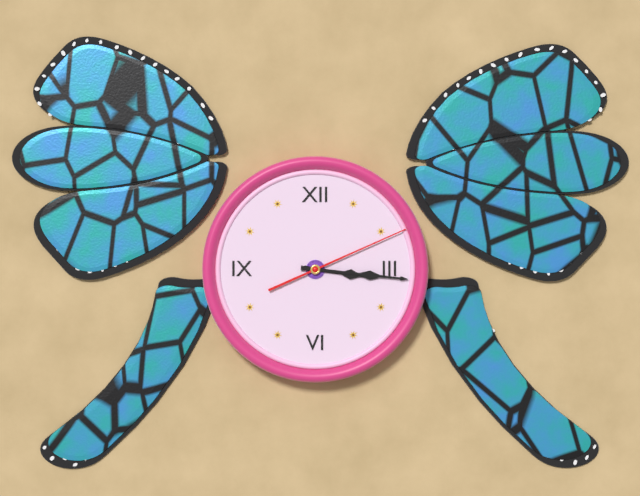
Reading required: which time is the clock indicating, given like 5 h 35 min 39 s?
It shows 3 h 16 min 11 s
